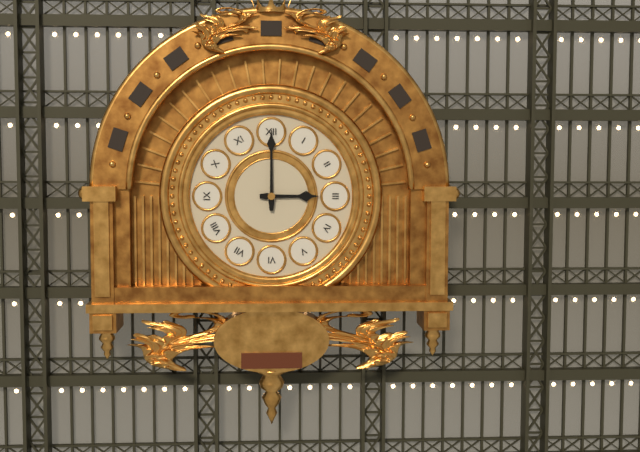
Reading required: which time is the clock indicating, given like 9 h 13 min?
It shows 3 h 00 min
